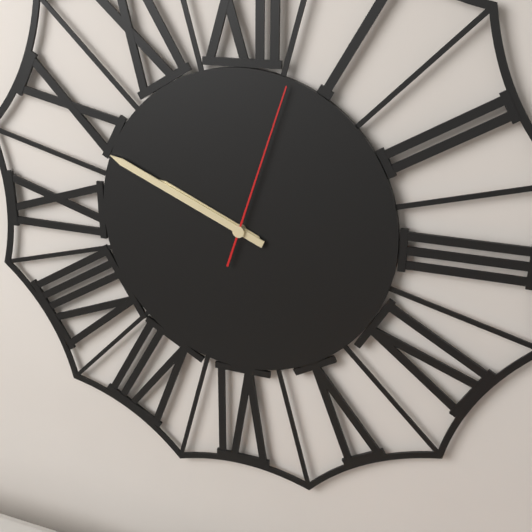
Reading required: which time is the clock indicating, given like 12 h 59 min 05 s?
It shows 9 h 49 min 03 s
